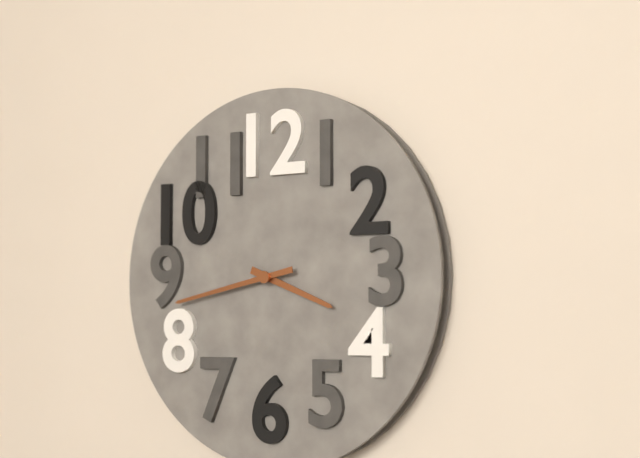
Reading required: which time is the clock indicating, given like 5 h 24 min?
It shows 3 h 43 min
